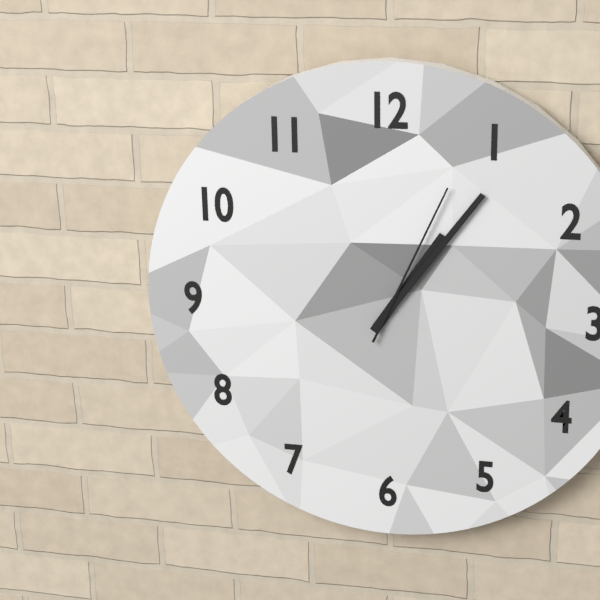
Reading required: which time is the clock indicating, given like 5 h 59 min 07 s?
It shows 1 h 06 min 04 s
